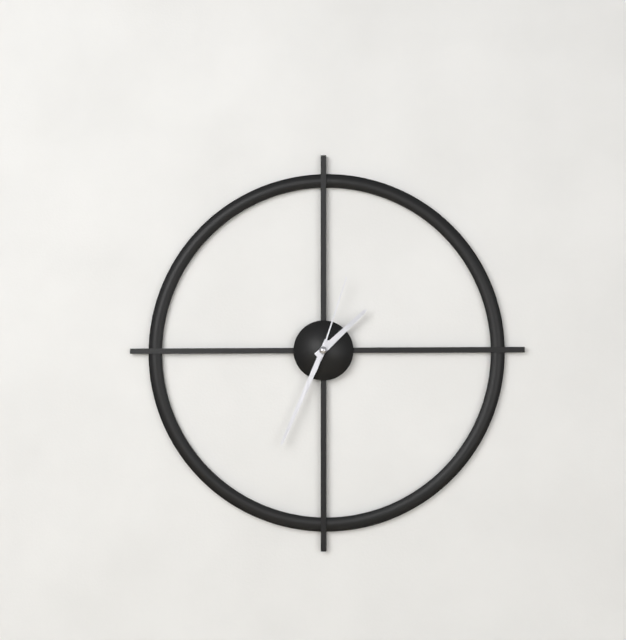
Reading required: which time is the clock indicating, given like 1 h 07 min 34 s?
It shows 1 h 34 min 03 s
